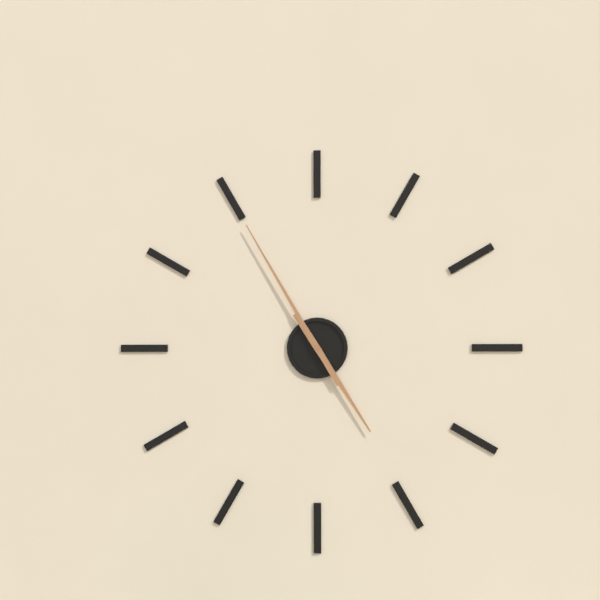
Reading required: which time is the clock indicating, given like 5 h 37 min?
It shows 4 h 55 min
